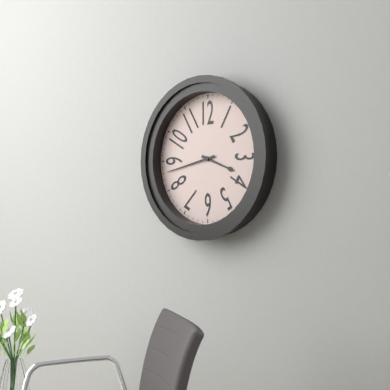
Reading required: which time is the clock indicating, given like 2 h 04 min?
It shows 3 h 43 min
